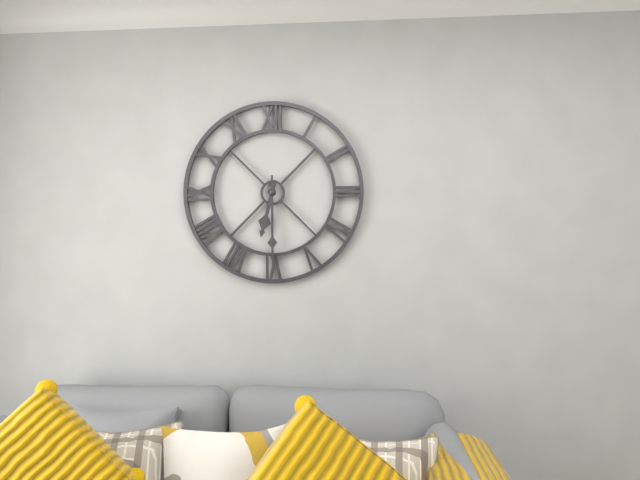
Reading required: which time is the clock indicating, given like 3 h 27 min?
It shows 6 h 30 min
